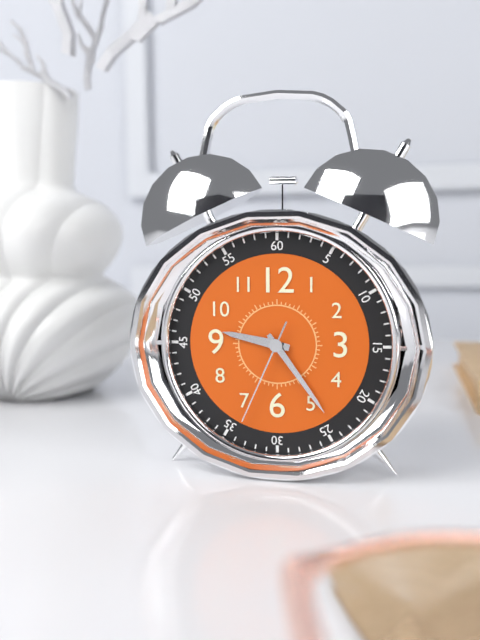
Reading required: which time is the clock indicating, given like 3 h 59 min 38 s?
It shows 9 h 24 min 34 s
